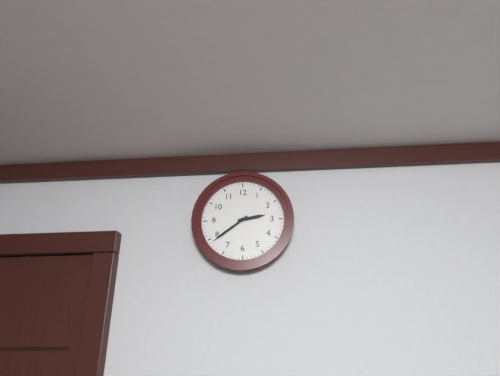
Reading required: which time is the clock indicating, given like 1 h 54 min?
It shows 2 h 39 min
